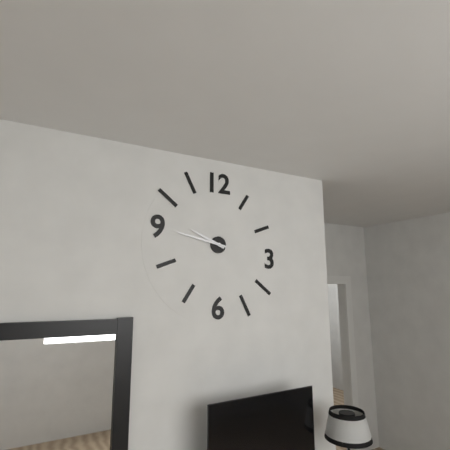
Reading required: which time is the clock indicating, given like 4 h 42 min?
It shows 9 h 47 min
